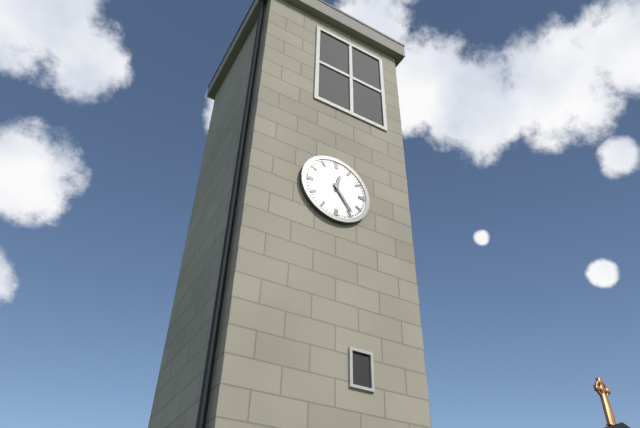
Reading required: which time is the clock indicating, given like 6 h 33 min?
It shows 12 h 24 min
